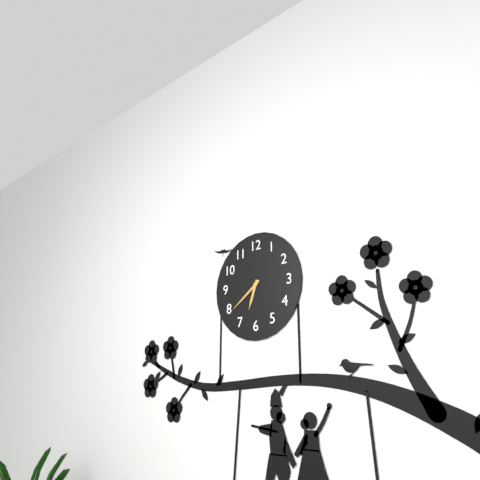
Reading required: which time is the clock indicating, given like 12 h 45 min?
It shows 6 h 39 min
